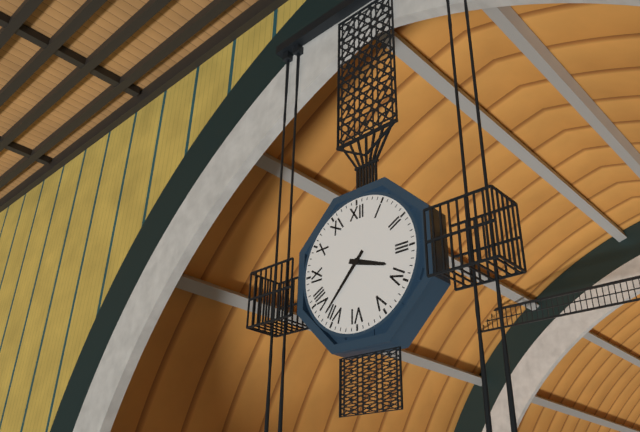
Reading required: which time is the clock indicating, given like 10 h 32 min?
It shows 3 h 37 min
